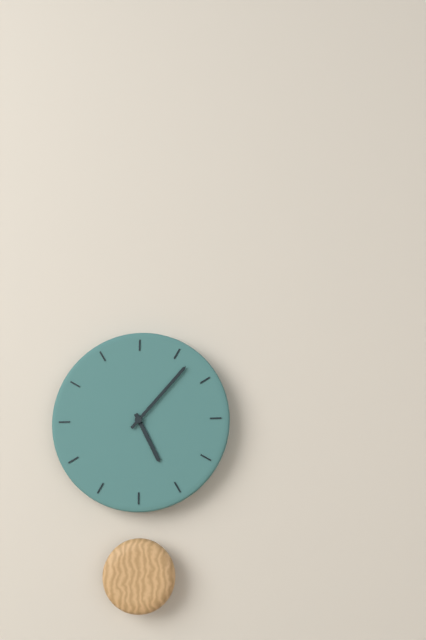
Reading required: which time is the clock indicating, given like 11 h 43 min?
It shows 5 h 07 min
